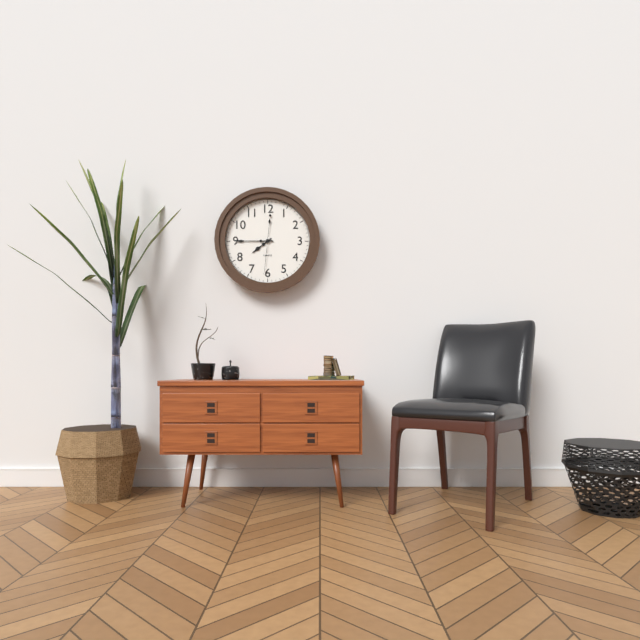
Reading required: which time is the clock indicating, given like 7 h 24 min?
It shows 7 h 45 min
